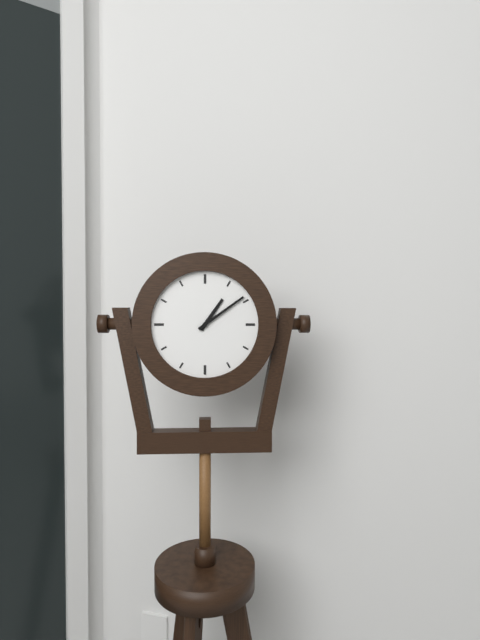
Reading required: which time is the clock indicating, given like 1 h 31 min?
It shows 1 h 09 min
